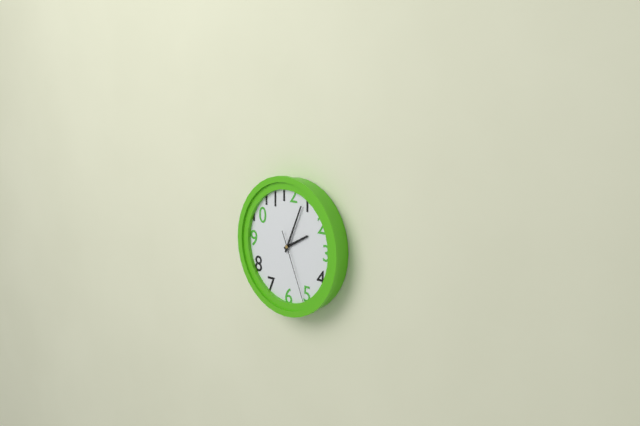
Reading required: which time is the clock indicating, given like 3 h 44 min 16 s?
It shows 2 h 04 min 26 s
